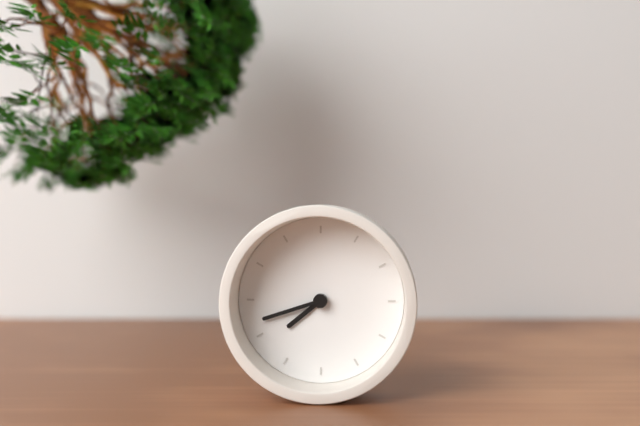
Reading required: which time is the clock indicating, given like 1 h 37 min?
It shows 7 h 42 min
